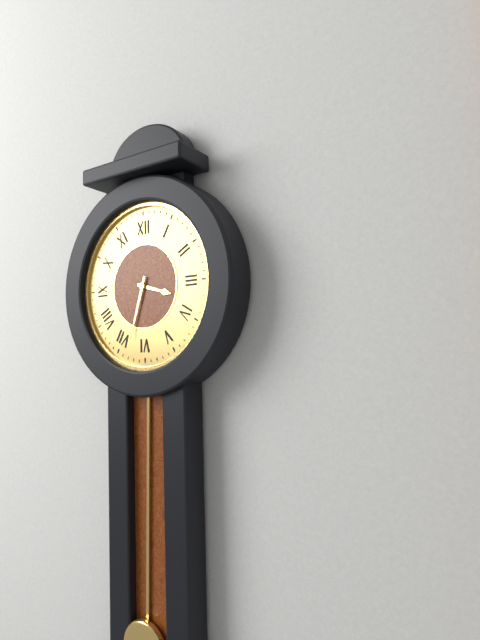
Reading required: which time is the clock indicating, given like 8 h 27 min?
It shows 3 h 33 min
